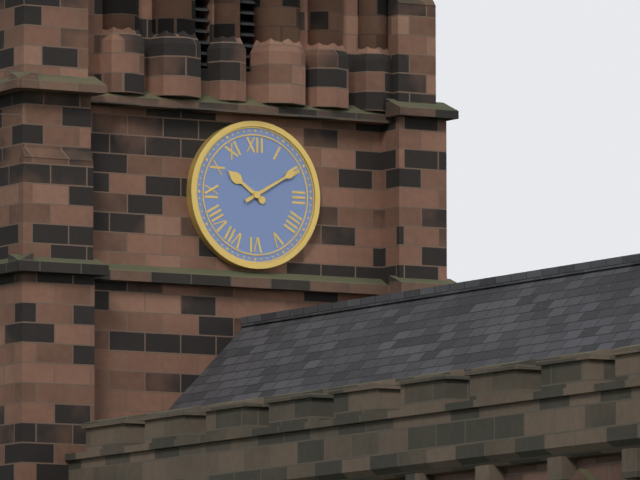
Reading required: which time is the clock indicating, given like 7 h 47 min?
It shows 10 h 10 min
